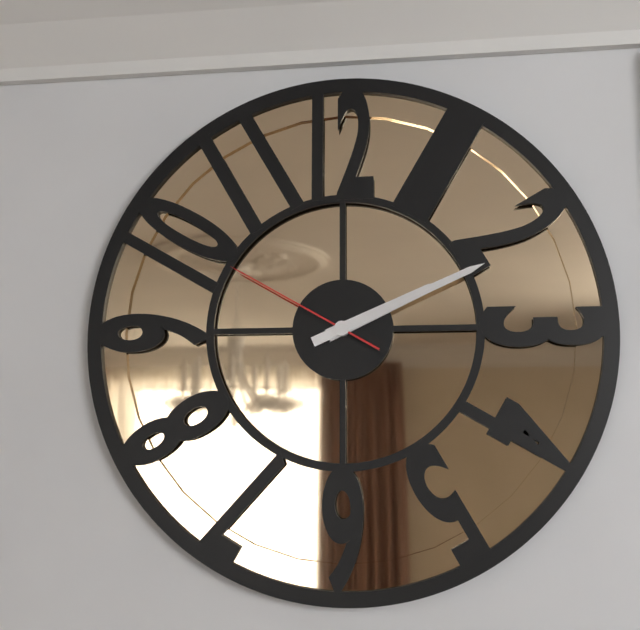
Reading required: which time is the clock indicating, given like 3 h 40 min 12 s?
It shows 2 h 11 min 50 s
